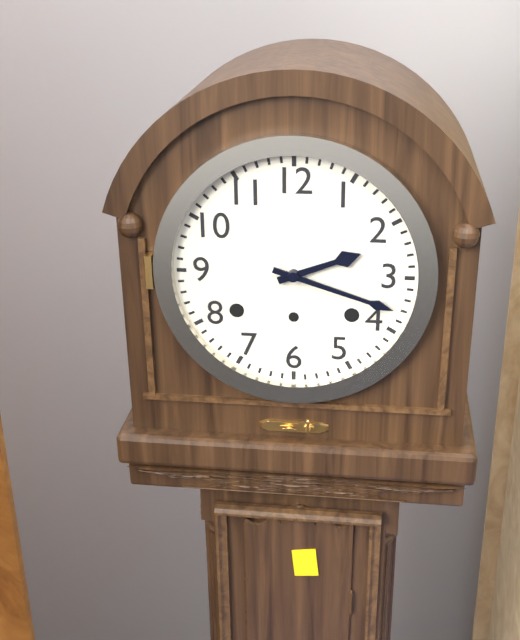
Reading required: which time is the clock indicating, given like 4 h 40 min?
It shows 2 h 18 min
